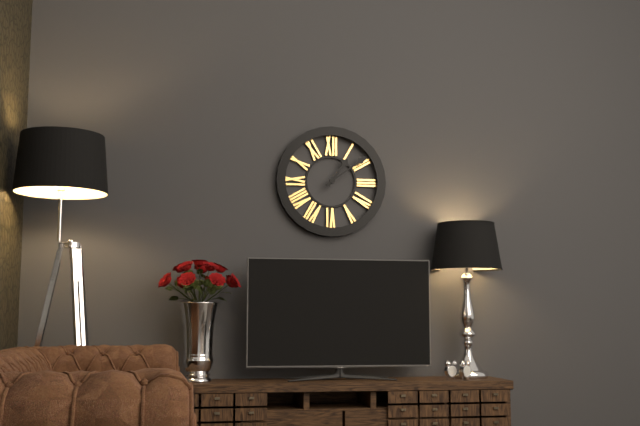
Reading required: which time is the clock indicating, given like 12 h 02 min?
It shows 1 h 09 min
